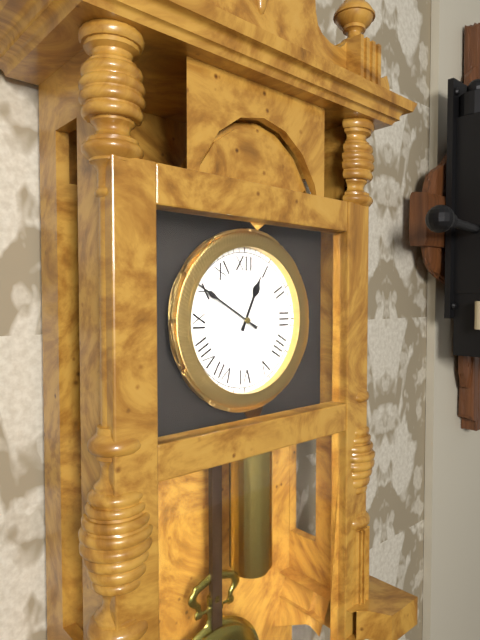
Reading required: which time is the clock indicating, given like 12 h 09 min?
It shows 12 h 50 min
